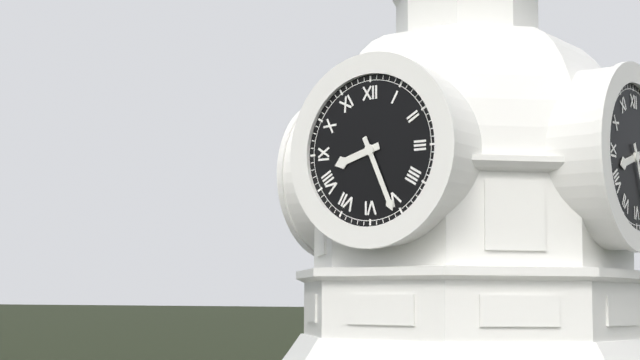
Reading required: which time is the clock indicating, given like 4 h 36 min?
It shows 8 h 26 min
